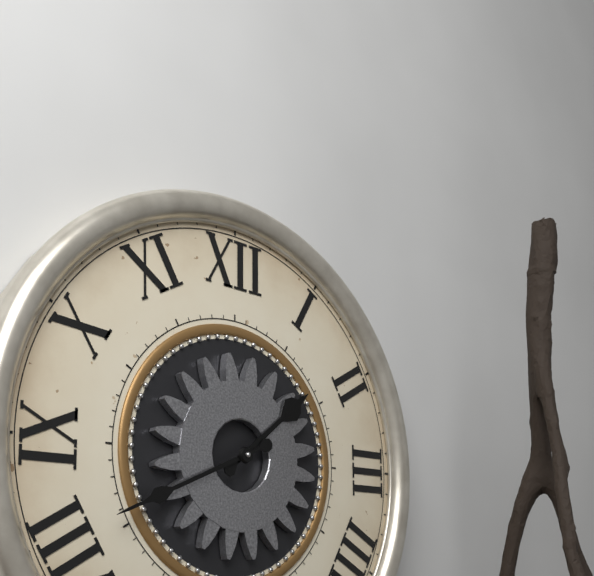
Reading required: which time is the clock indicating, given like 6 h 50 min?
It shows 1 h 41 min
